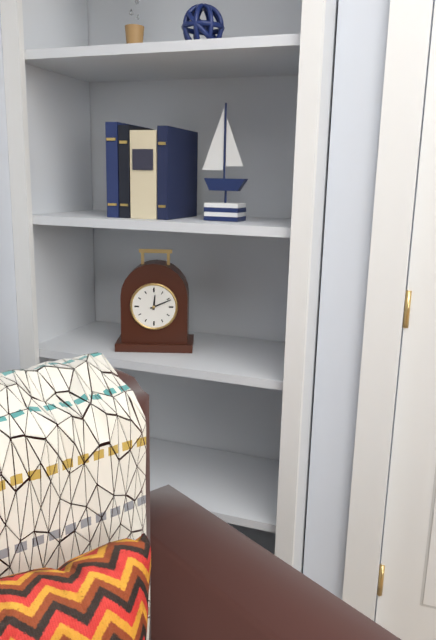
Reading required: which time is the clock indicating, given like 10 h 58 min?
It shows 12 h 11 min
